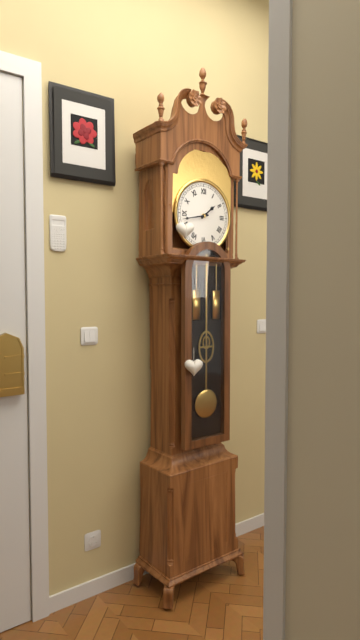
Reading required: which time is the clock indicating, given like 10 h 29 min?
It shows 1 h 43 min
